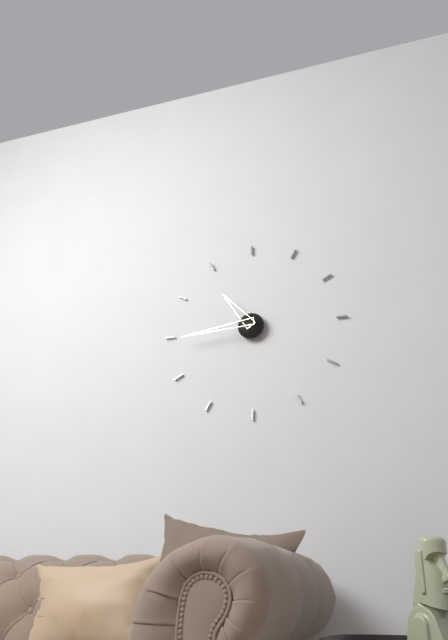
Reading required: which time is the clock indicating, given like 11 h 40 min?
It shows 10 h 44 min
